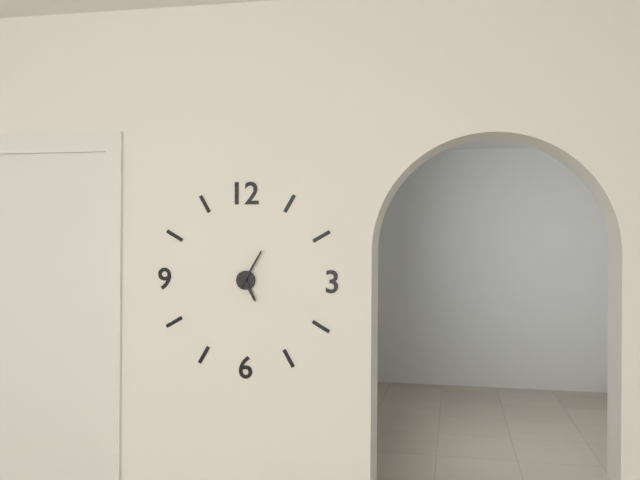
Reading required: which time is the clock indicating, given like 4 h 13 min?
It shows 5 h 05 min
